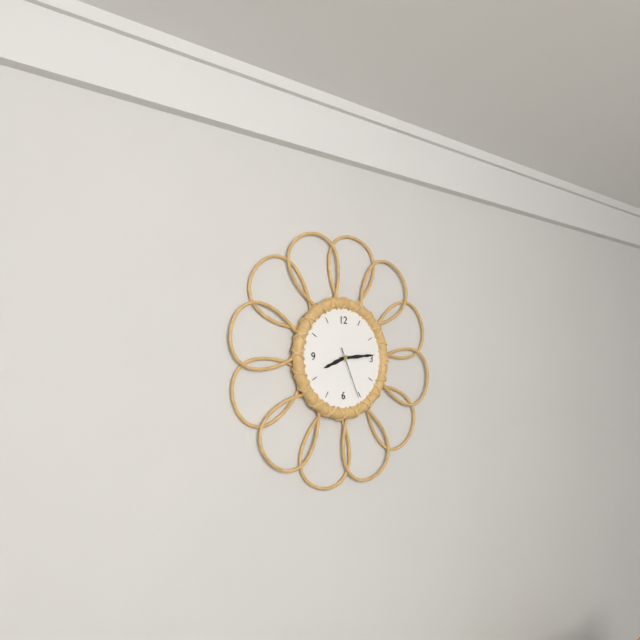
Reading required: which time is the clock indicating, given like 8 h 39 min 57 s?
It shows 8 h 14 min 26 s
